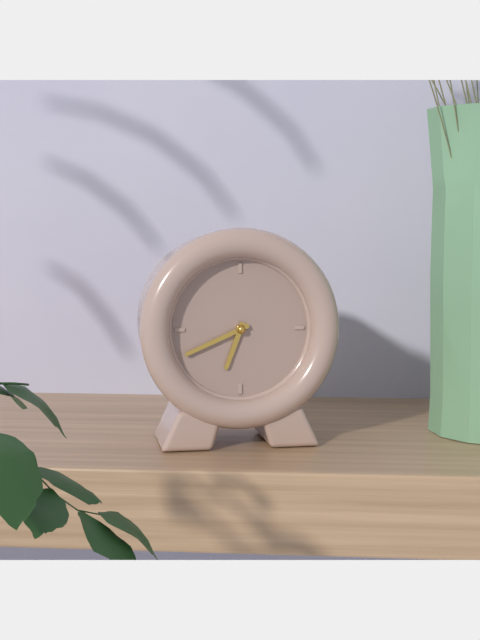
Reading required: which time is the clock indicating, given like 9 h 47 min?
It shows 6 h 41 min
